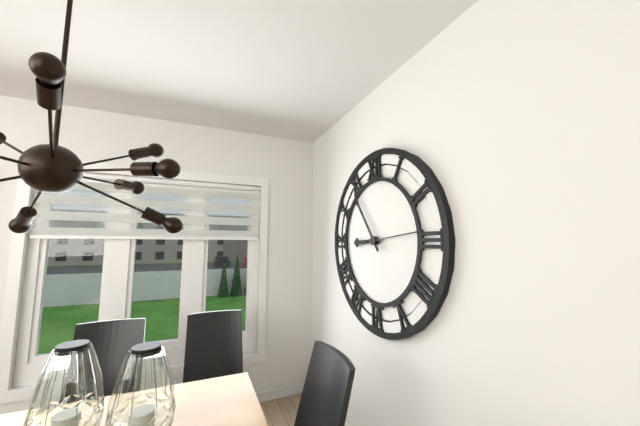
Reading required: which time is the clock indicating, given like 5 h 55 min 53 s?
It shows 8 h 54 min 14 s
